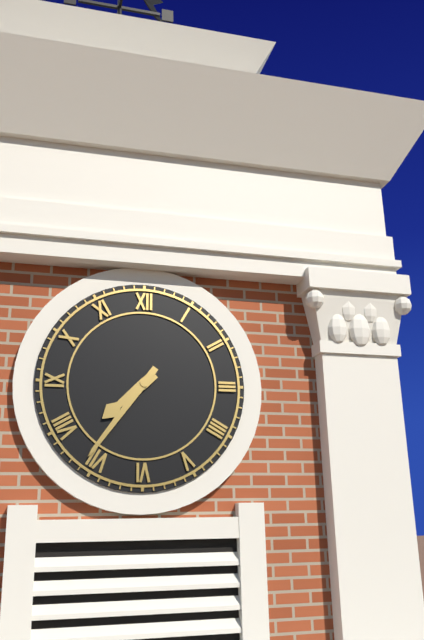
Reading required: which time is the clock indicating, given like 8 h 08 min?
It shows 7 h 36 min
